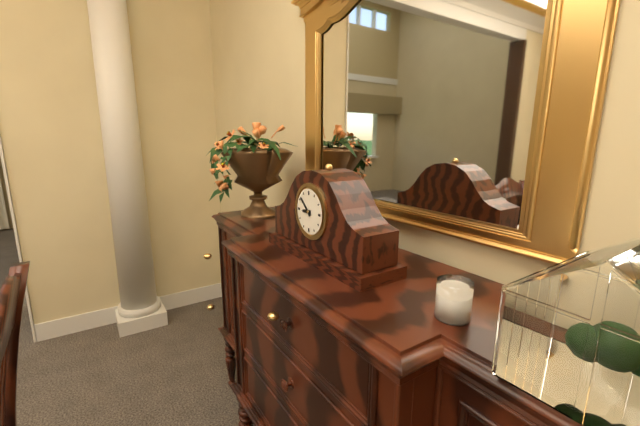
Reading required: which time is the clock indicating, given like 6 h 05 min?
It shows 8 h 52 min
